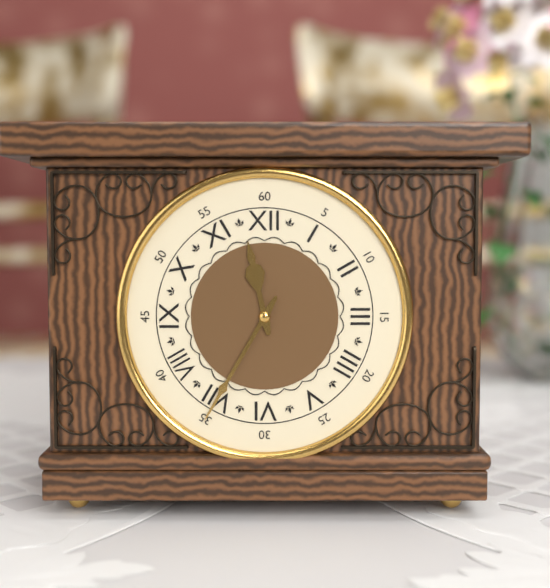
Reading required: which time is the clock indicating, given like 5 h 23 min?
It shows 11 h 35 min
